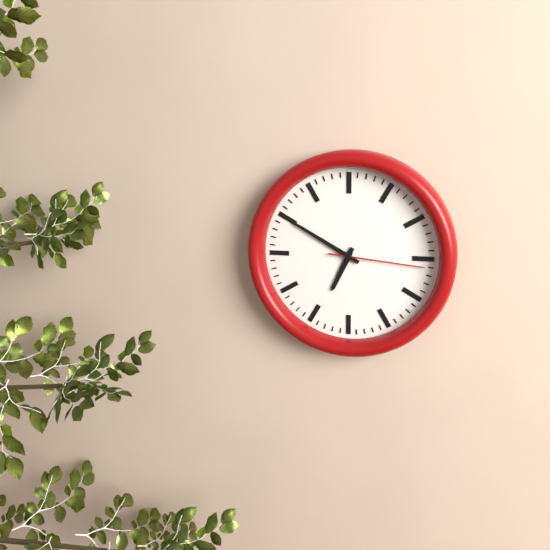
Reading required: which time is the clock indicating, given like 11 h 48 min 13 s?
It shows 6 h 50 min 16 s
